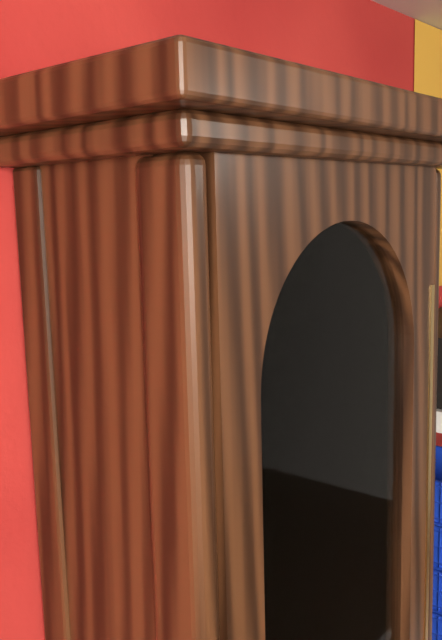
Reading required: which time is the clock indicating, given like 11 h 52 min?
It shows 5 h 00 min
